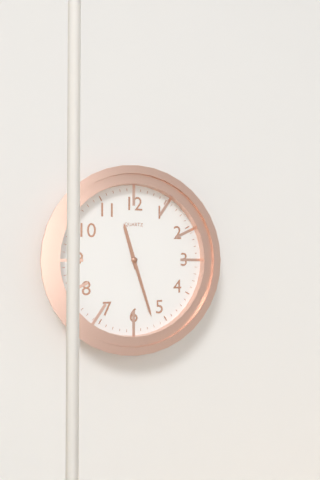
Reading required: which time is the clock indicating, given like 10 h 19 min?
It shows 11 h 27 min
